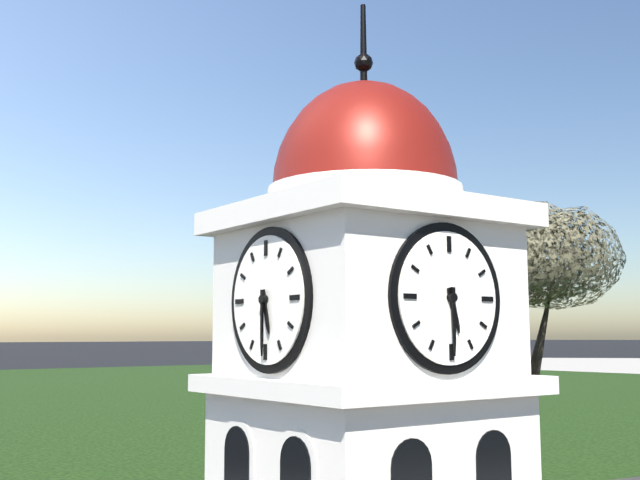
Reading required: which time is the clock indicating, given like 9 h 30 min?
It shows 5 h 30 min
